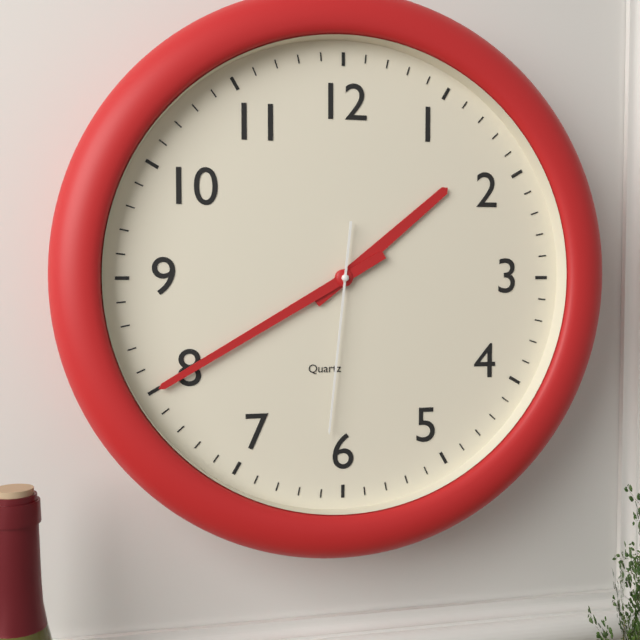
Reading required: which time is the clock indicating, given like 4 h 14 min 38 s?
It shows 1 h 40 min 31 s
